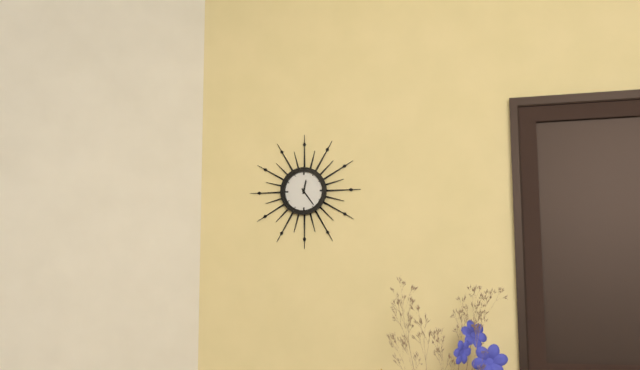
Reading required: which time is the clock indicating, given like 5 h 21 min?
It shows 12 h 24 min
